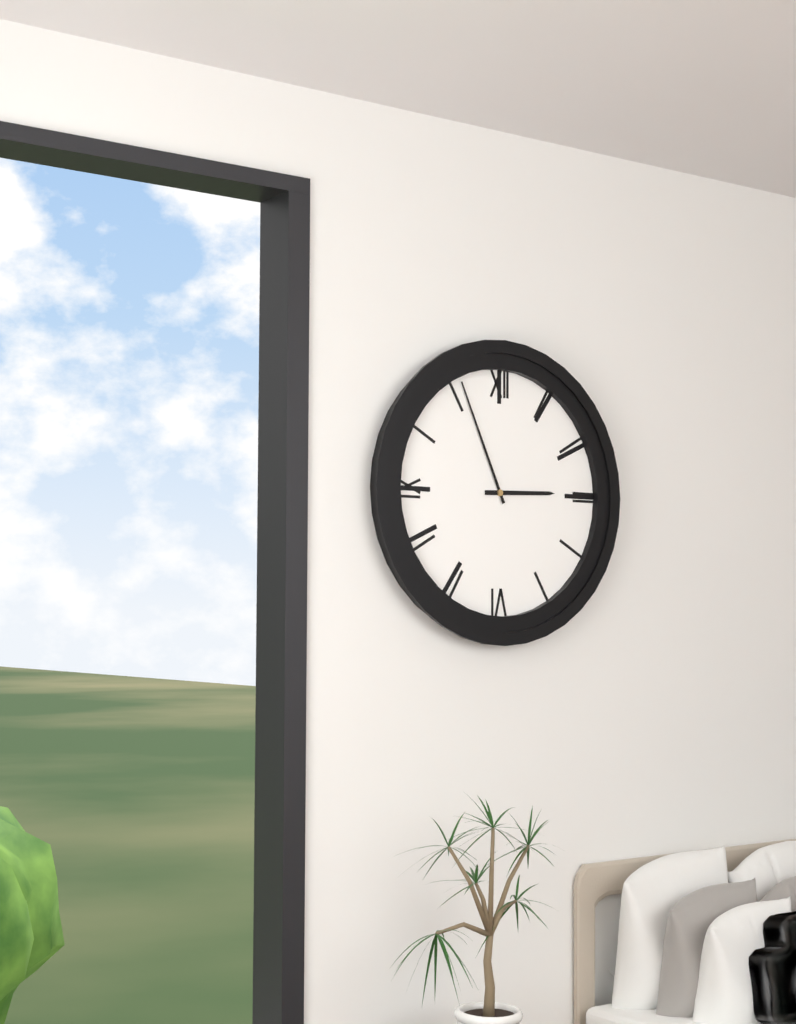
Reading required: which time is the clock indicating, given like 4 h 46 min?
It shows 2 h 56 min
